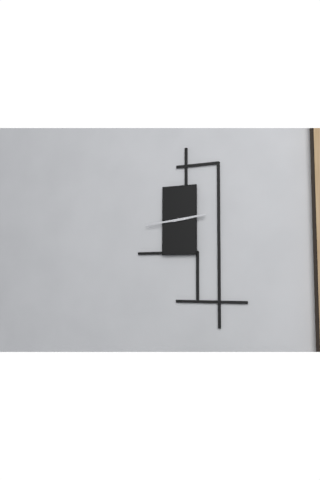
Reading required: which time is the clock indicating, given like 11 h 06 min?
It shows 2 h 44 min
